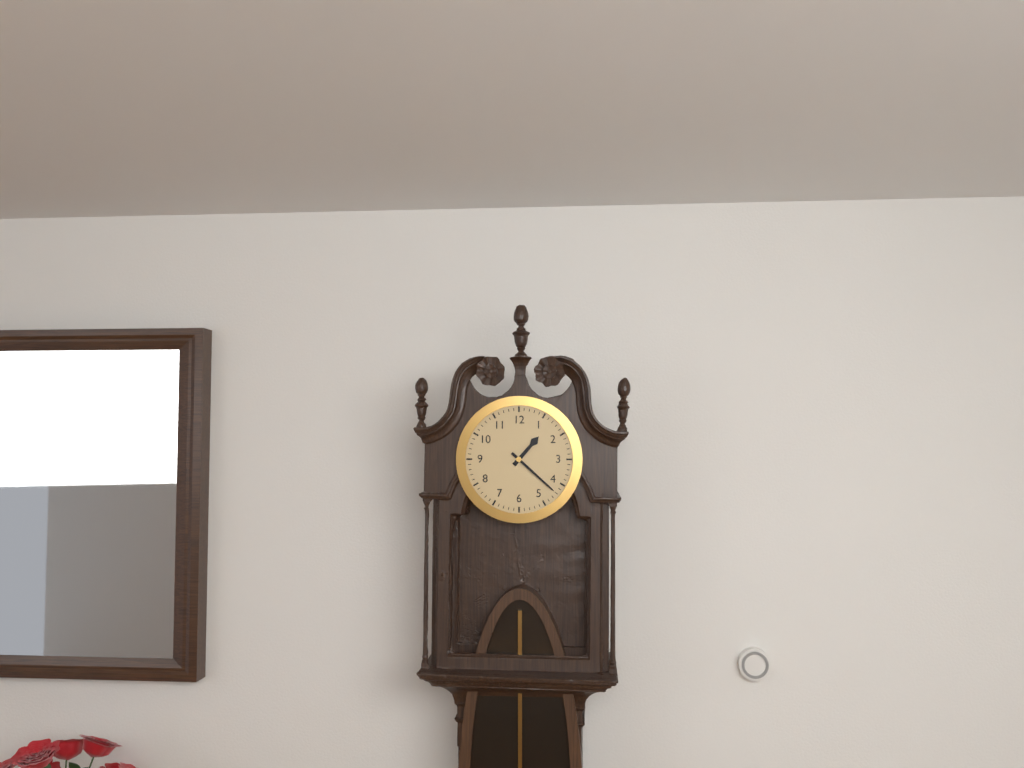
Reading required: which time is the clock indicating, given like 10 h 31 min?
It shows 1 h 22 min
